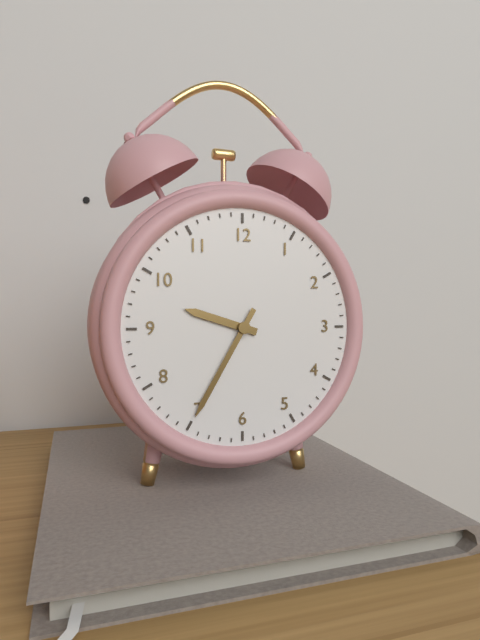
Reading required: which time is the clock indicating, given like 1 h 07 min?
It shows 9 h 35 min
